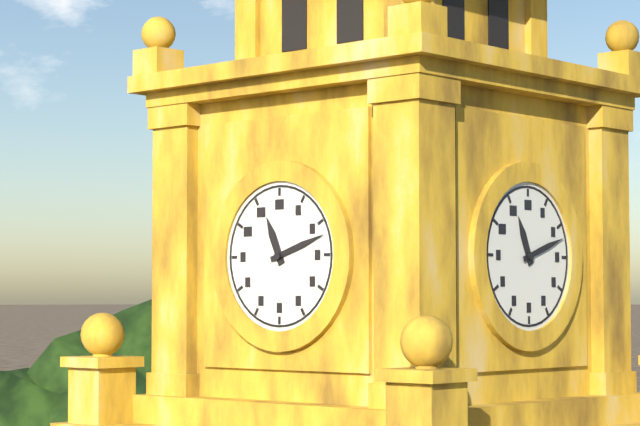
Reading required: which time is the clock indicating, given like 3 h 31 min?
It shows 11 h 12 min
